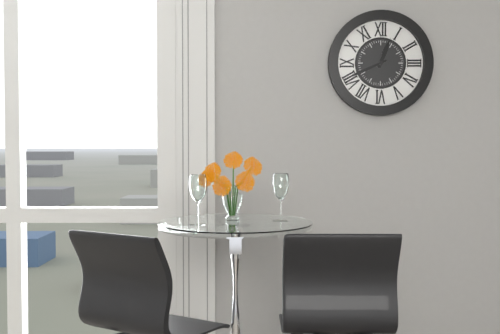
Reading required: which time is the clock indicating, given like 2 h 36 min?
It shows 12 h 41 min
